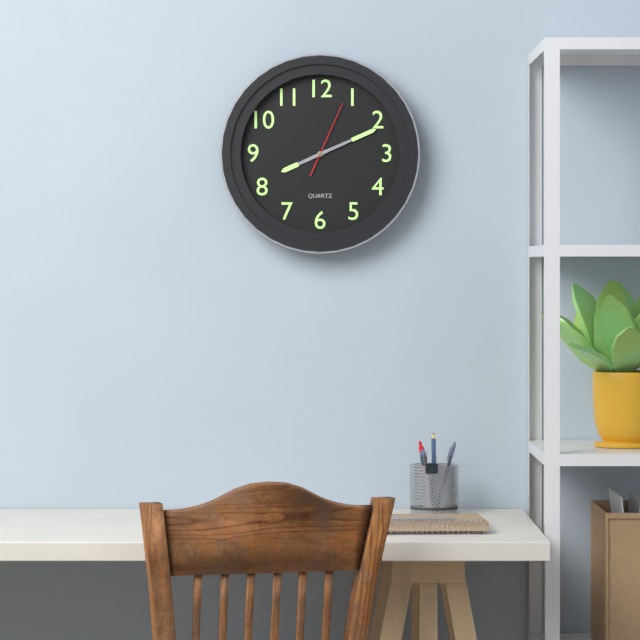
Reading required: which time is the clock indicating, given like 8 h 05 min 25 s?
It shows 8 h 11 min 04 s
